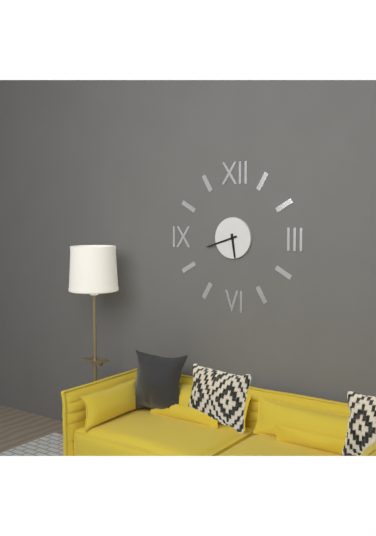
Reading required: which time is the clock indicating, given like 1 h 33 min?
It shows 5 h 42 min
